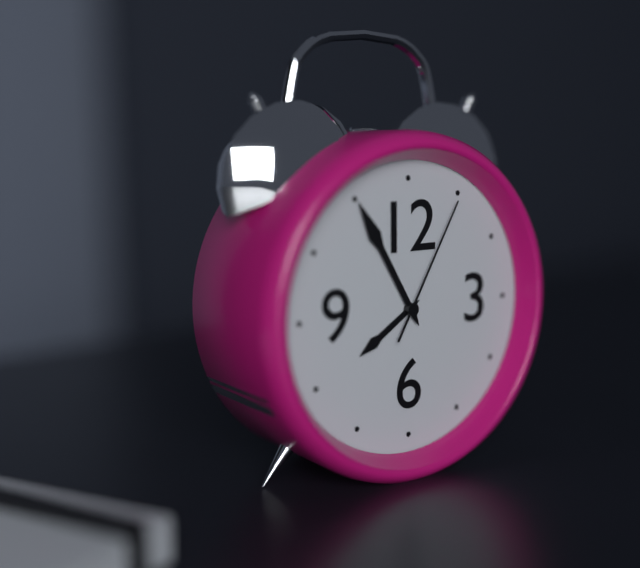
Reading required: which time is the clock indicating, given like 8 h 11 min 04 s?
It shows 7 h 55 min 05 s
